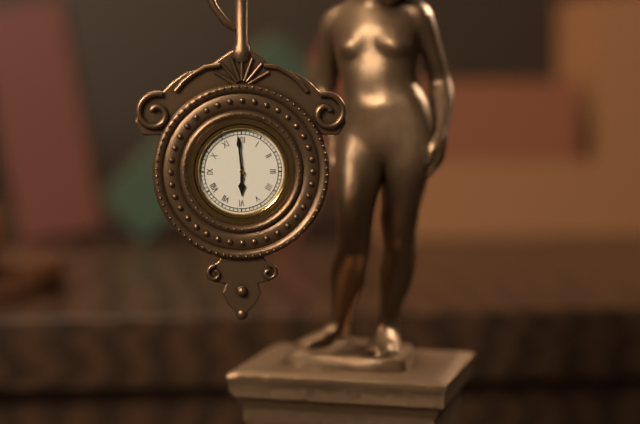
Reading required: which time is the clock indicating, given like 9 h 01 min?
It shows 5 h 59 min
